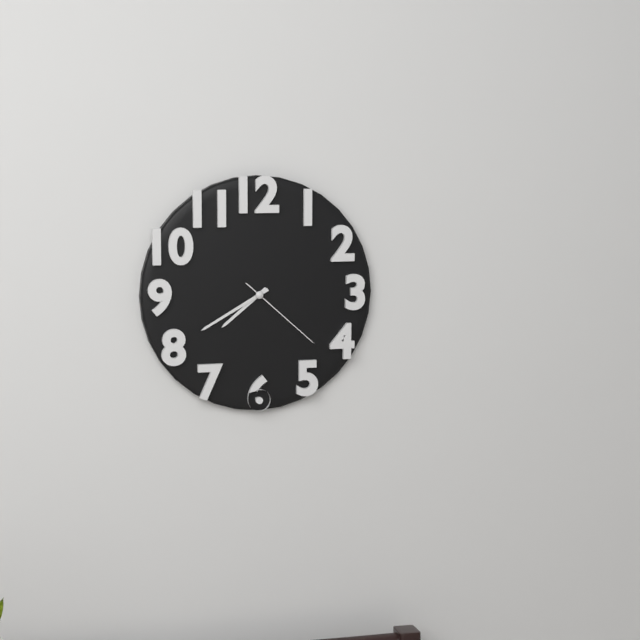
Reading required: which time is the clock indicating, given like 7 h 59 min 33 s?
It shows 7 h 40 min 22 s
